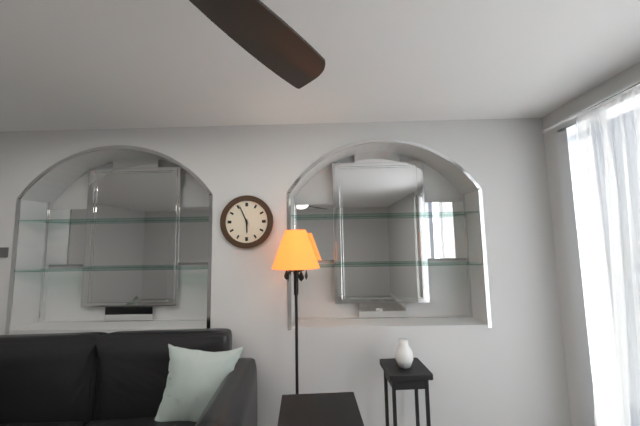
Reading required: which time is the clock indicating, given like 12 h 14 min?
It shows 5 h 56 min
